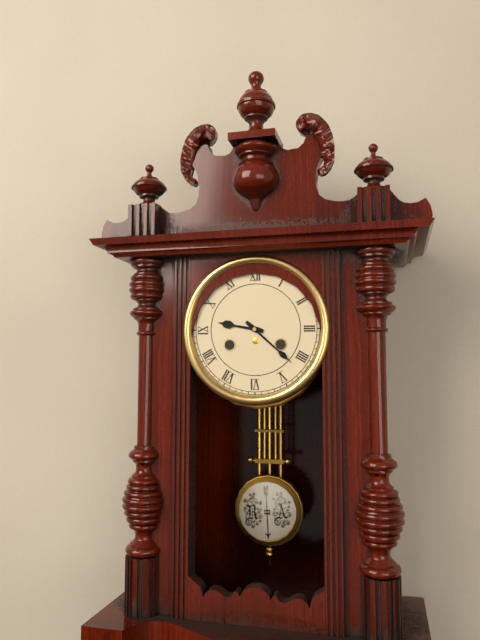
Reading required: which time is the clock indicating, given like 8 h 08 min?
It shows 9 h 22 min
